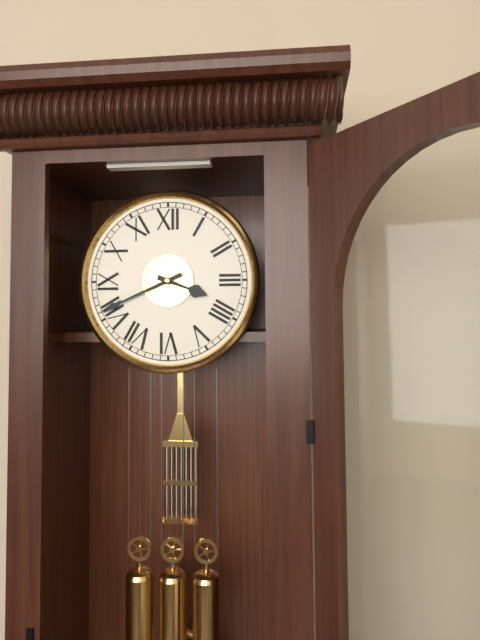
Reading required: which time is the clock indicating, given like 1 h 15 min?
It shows 3 h 41 min
